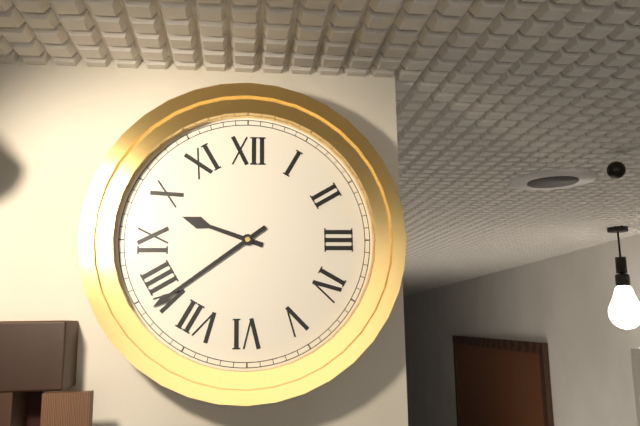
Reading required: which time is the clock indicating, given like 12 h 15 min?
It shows 9 h 39 min
